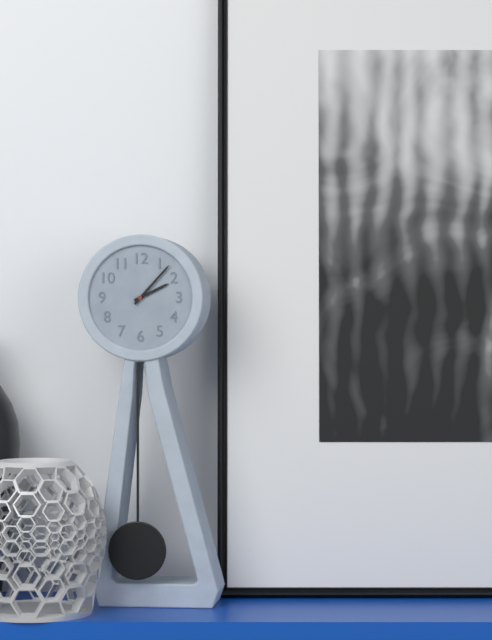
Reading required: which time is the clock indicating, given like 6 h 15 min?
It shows 2 h 07 min
